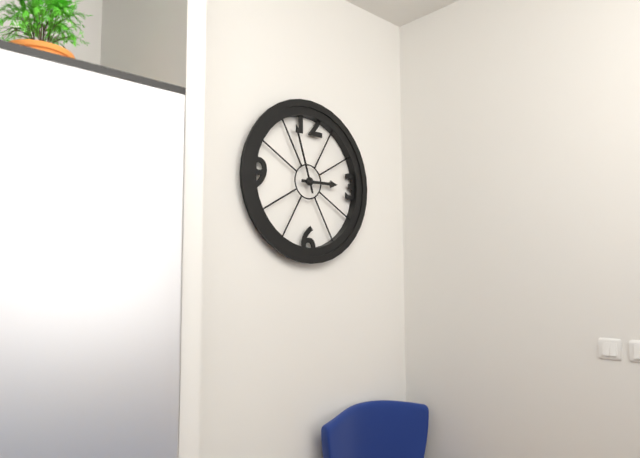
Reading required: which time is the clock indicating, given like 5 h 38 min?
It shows 2 h 57 min
